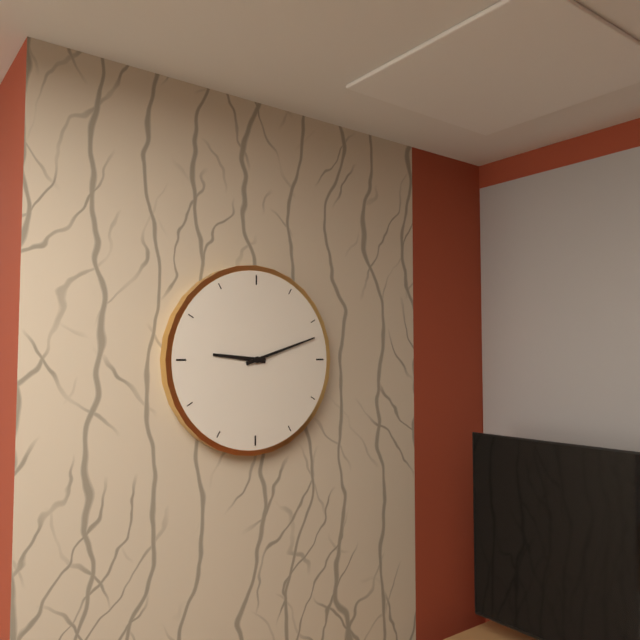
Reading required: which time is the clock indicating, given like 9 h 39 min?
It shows 9 h 12 min
